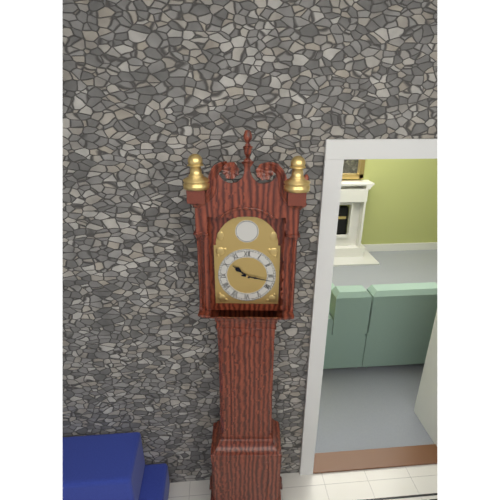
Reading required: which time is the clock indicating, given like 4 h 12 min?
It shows 10 h 17 min
